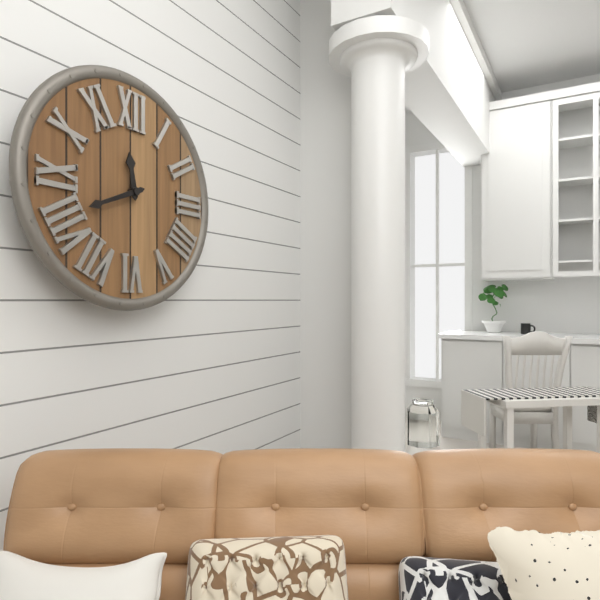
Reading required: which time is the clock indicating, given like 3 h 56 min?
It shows 11 h 41 min
